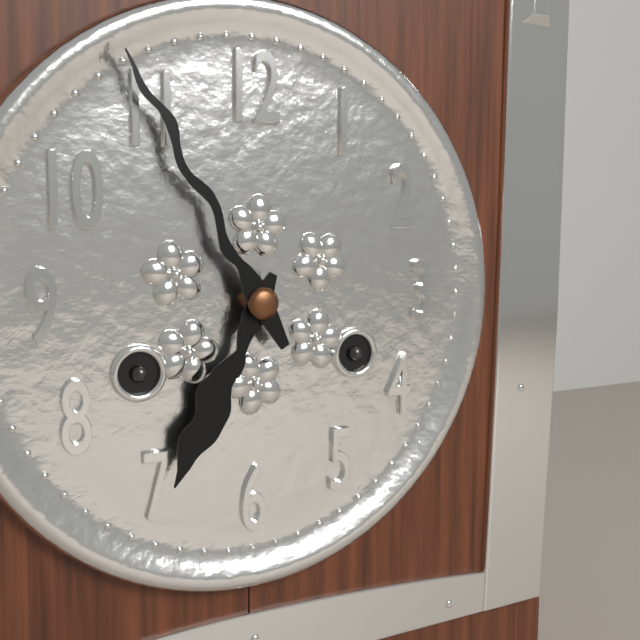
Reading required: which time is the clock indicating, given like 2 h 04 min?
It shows 6 h 55 min
